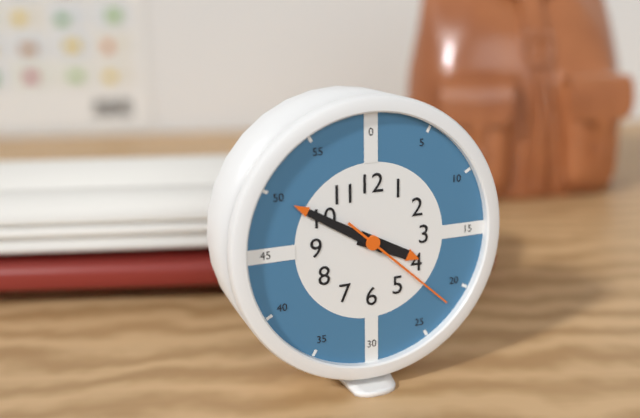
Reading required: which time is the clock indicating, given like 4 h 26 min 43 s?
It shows 3 h 50 min 22 s
